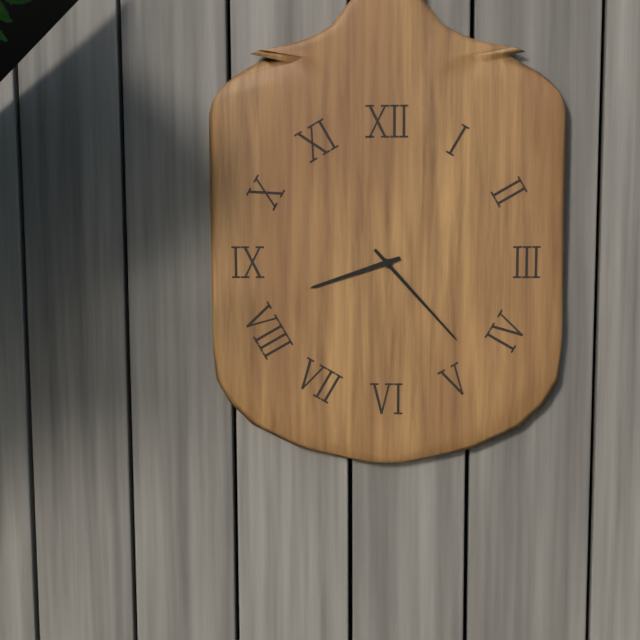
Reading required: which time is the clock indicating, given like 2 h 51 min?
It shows 8 h 23 min
